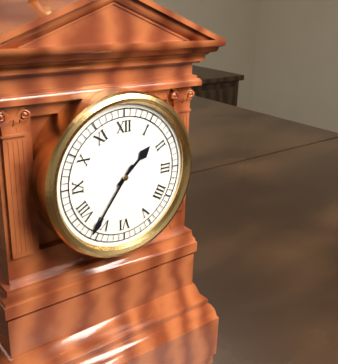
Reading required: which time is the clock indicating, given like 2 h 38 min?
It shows 1 h 36 min
